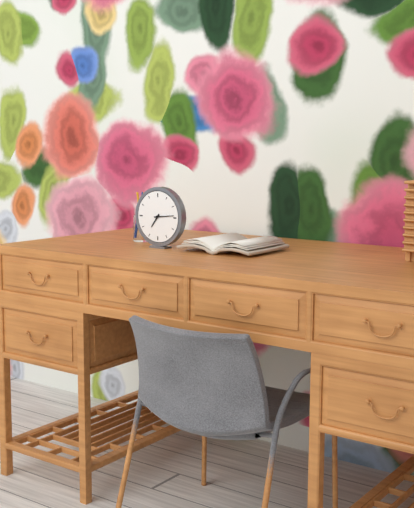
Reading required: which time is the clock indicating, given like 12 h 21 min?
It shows 7 h 14 min
